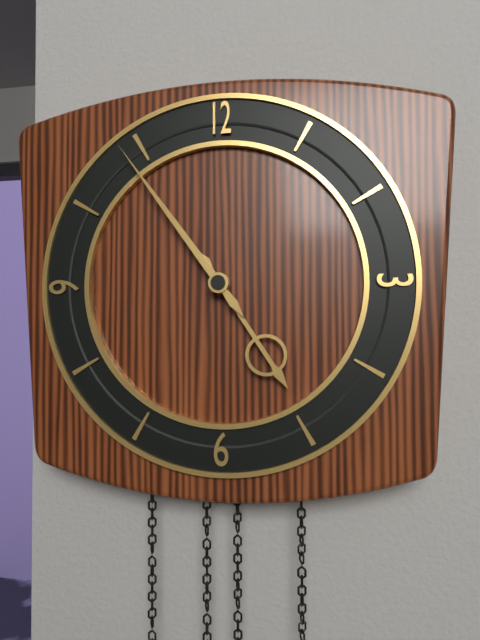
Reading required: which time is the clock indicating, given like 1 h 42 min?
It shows 4 h 54 min
